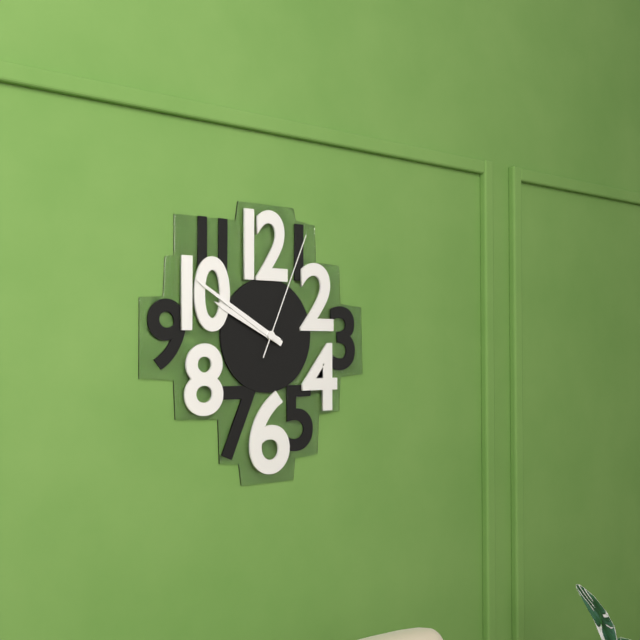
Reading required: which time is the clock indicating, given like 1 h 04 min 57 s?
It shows 9 h 50 min 04 s
